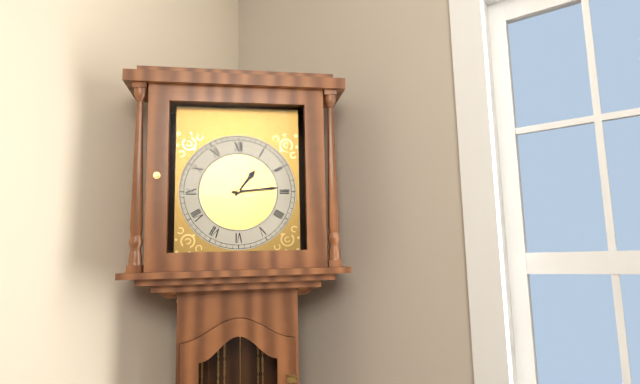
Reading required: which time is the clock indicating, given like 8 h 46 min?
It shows 1 h 14 min
